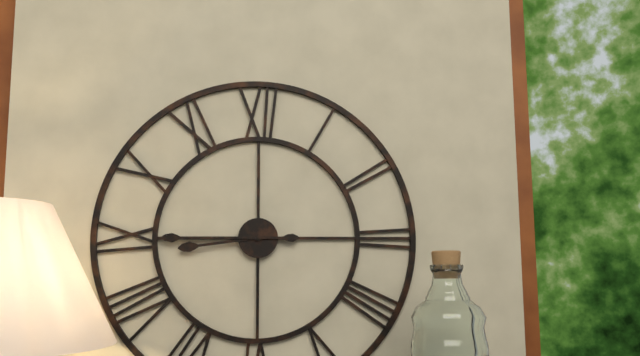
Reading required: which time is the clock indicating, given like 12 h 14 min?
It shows 8 h 45 min
